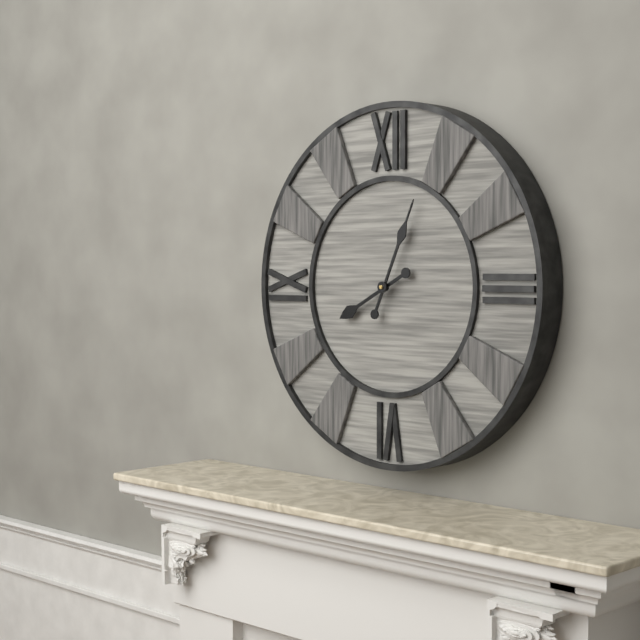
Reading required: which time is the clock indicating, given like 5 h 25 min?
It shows 8 h 04 min
